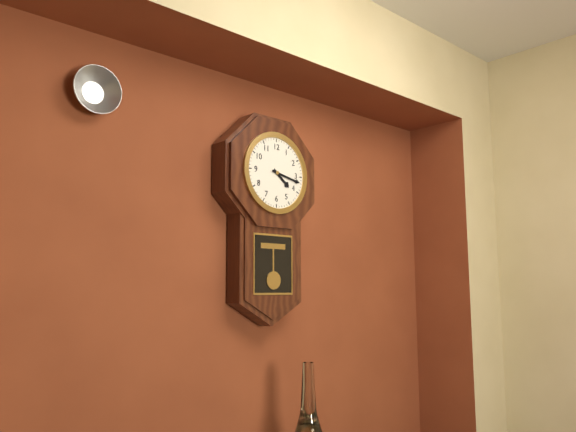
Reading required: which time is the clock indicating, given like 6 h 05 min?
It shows 4 h 17 min
